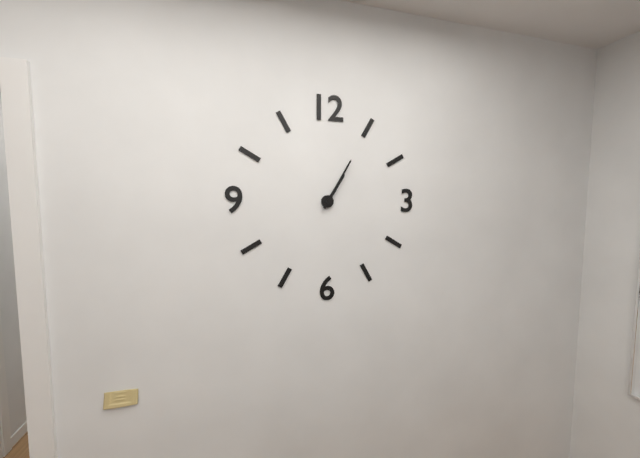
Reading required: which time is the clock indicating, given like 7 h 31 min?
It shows 1 h 05 min
